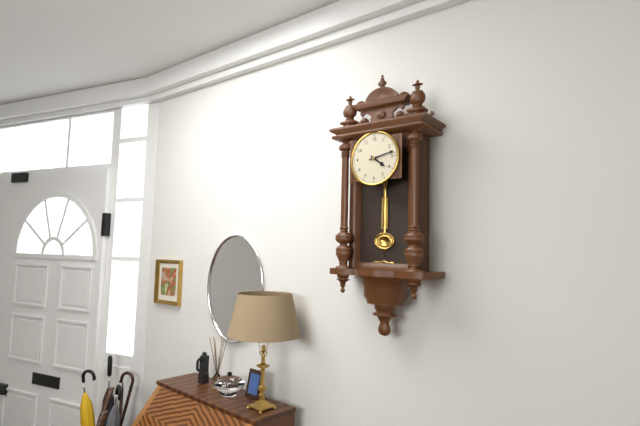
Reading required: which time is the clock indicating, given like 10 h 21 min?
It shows 4 h 13 min
